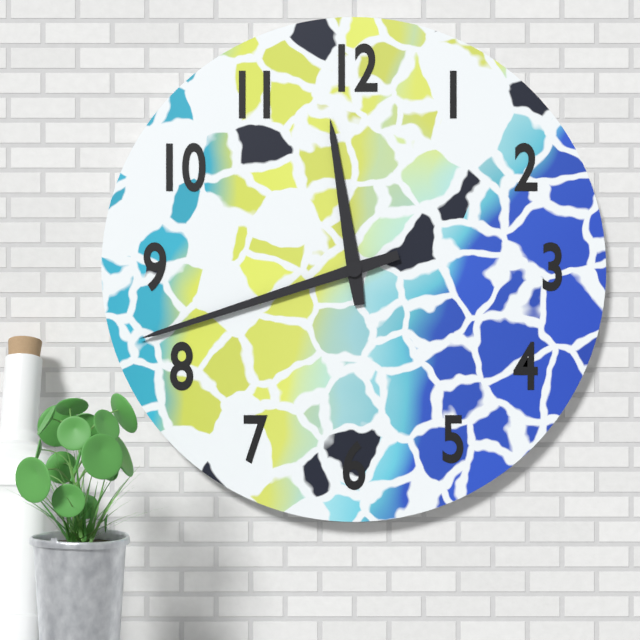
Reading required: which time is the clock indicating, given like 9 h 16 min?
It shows 11 h 42 min
